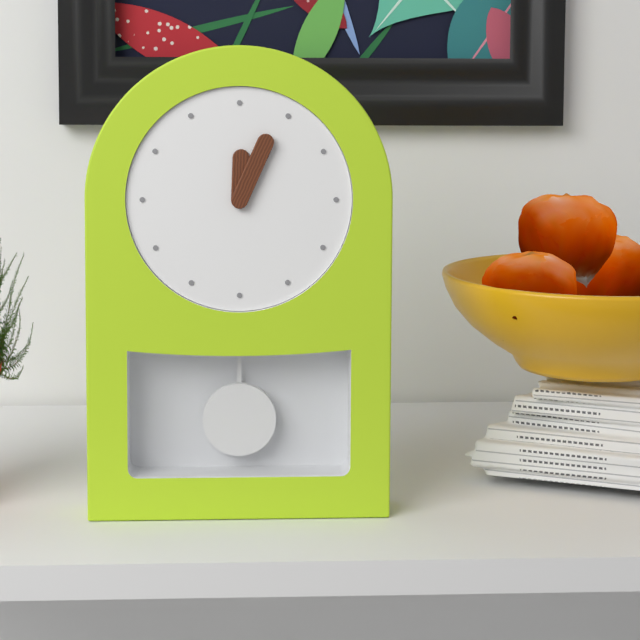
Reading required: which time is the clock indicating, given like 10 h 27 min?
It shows 12 h 04 min
